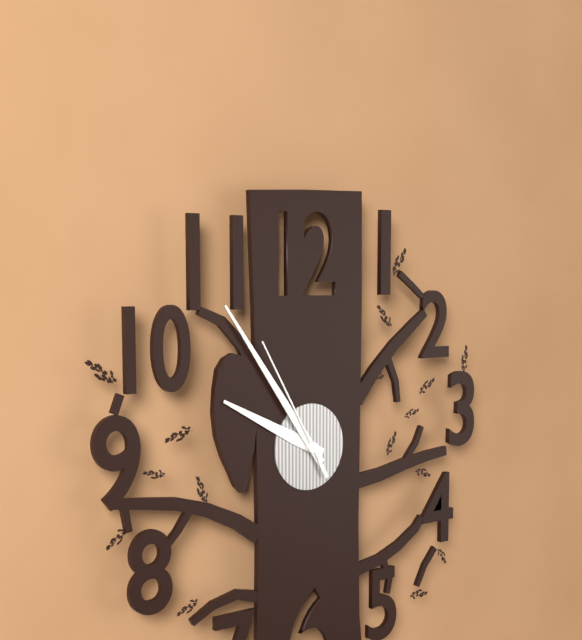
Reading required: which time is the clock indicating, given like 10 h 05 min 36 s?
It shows 9 h 54 min 55 s
